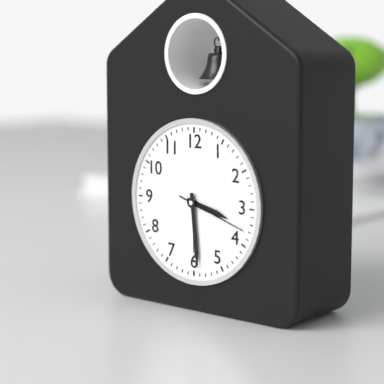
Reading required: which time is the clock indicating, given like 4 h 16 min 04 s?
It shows 3 h 29 min 18 s
